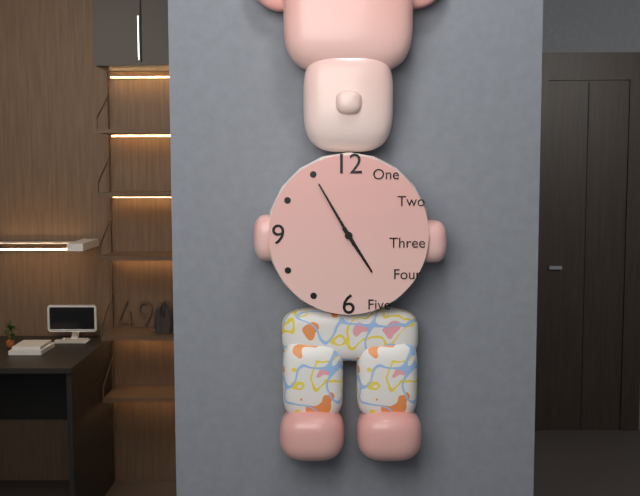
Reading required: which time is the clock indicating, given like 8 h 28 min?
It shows 4 h 55 min
